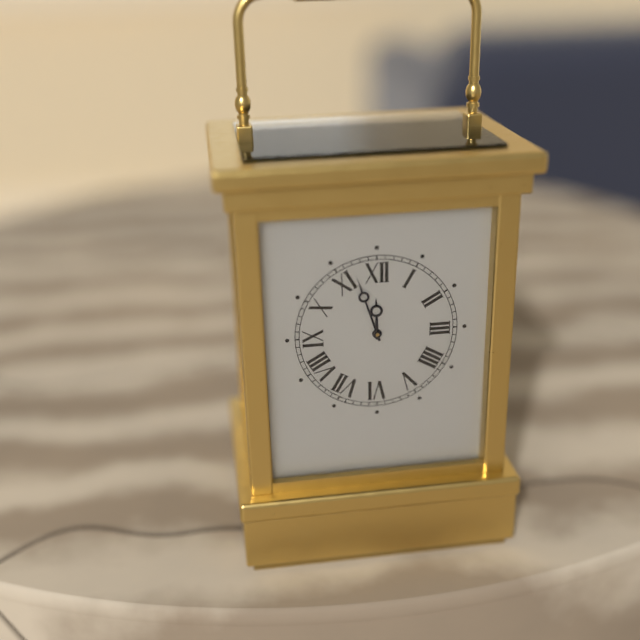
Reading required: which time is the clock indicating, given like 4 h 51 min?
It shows 11 h 57 min
